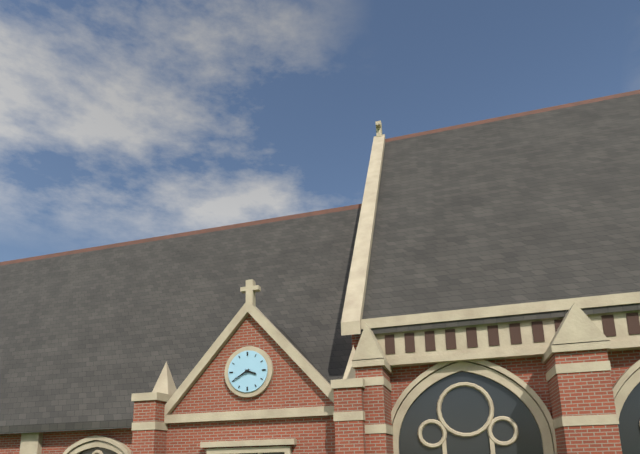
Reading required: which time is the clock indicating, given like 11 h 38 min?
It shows 3 h 40 min
